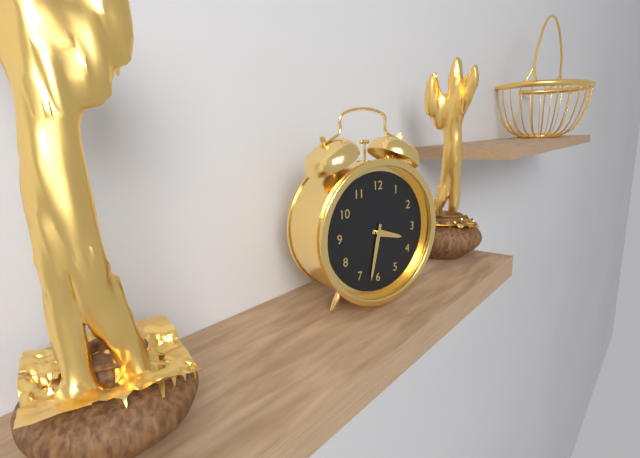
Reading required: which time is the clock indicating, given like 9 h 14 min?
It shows 3 h 32 min
